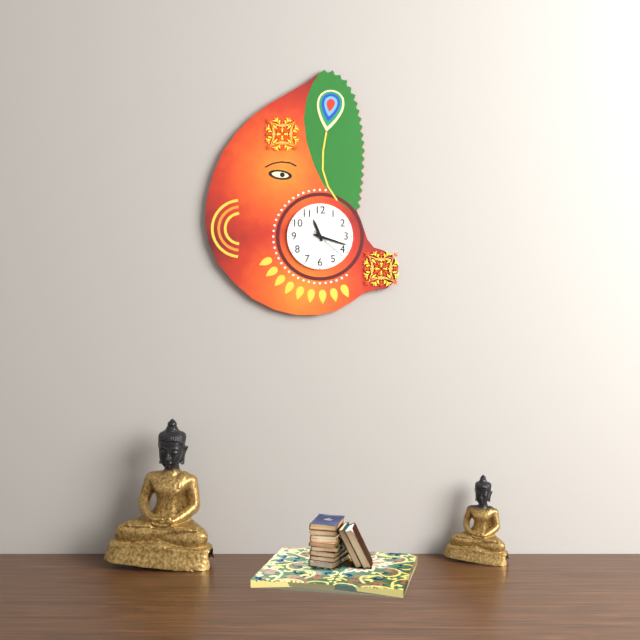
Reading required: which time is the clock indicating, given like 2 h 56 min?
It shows 11 h 18 min
